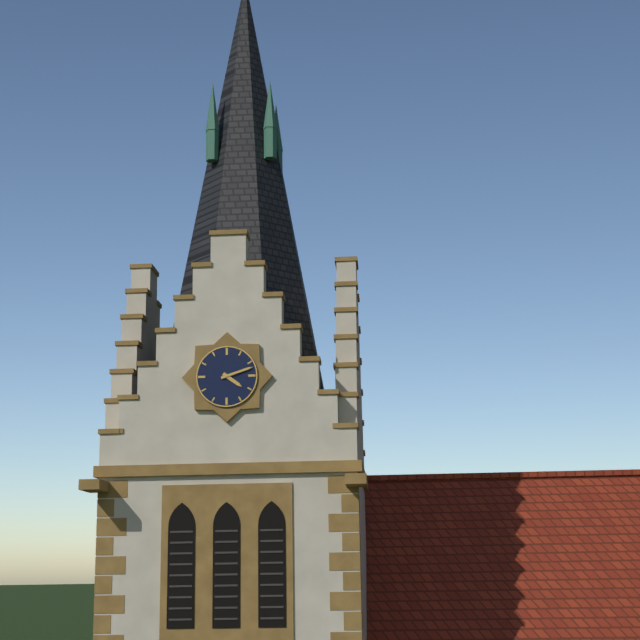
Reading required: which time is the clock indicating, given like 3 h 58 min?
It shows 4 h 12 min
